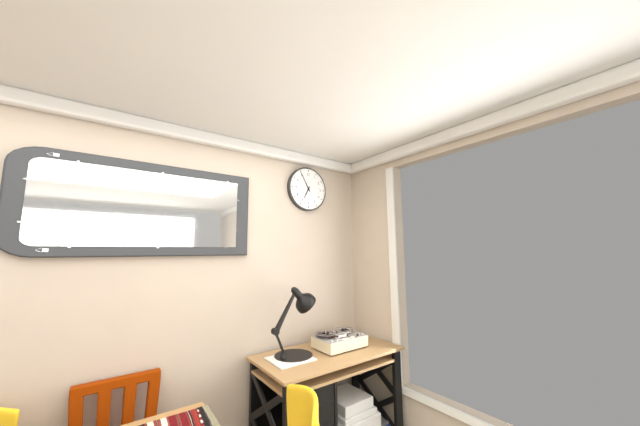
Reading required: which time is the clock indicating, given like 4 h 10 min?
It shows 6 h 55 min
